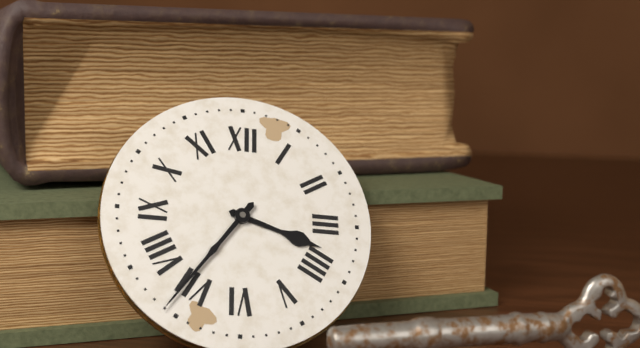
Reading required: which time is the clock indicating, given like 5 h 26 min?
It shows 3 h 36 min
